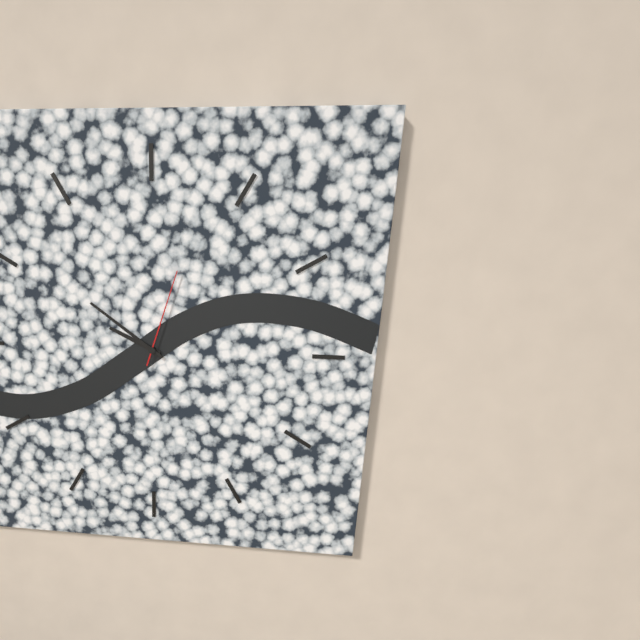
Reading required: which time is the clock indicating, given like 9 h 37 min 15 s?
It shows 9 h 51 min 03 s
